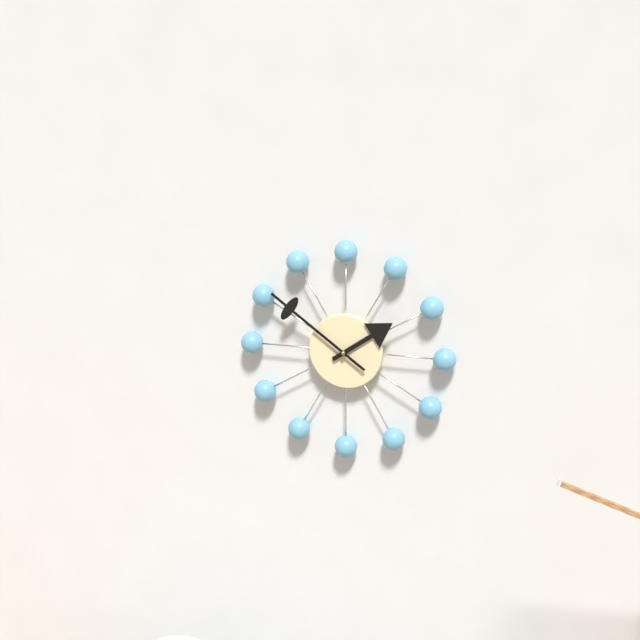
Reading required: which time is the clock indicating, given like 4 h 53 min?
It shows 1 h 51 min
